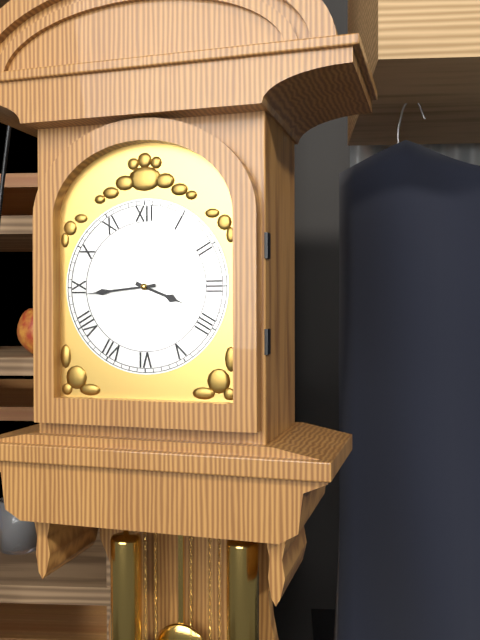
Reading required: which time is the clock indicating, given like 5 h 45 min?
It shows 3 h 44 min
